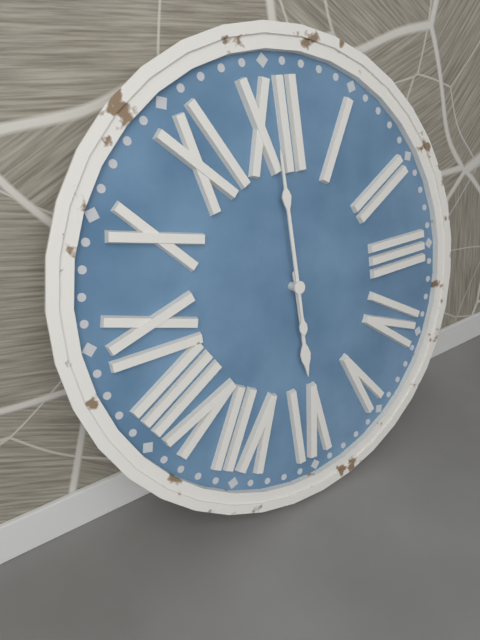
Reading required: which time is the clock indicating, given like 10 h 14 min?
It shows 6 h 00 min
